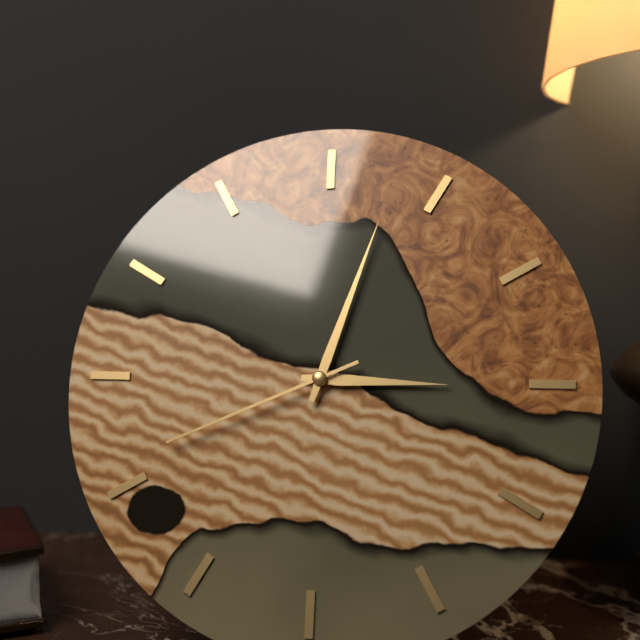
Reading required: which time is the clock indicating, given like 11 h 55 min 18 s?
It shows 3 h 03 min 41 s
